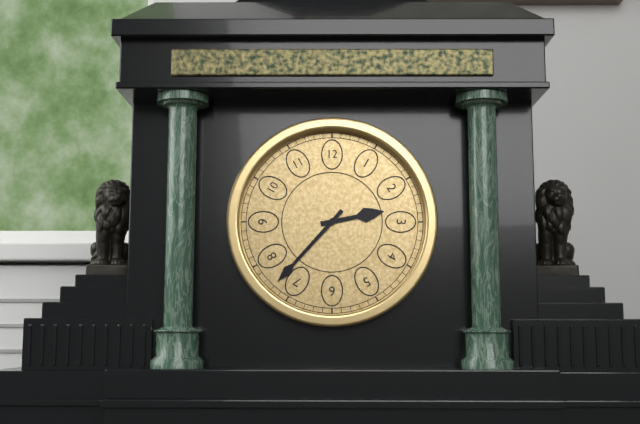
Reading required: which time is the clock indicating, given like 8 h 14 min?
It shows 2 h 37 min
